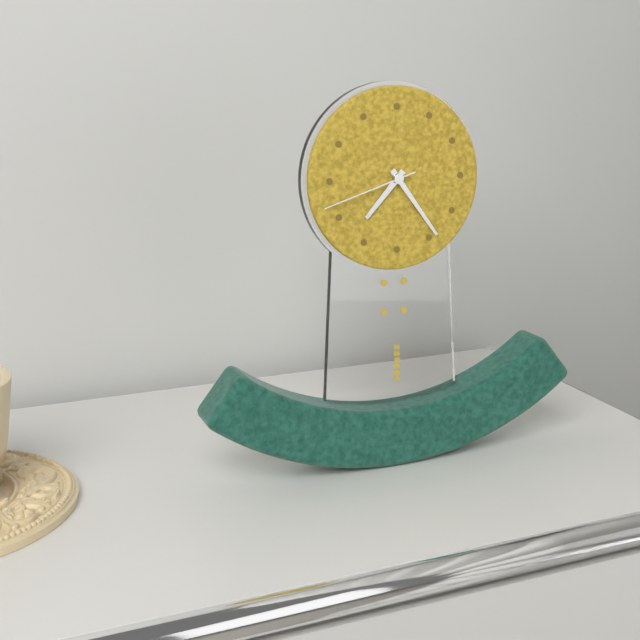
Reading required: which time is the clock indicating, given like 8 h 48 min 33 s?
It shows 7 h 24 min 42 s
